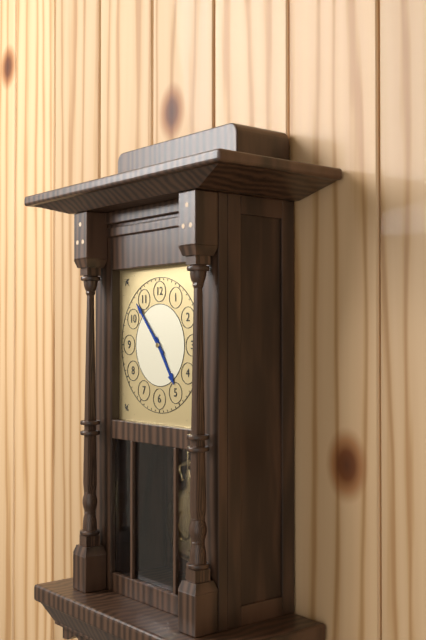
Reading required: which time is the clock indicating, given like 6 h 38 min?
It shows 4 h 53 min
